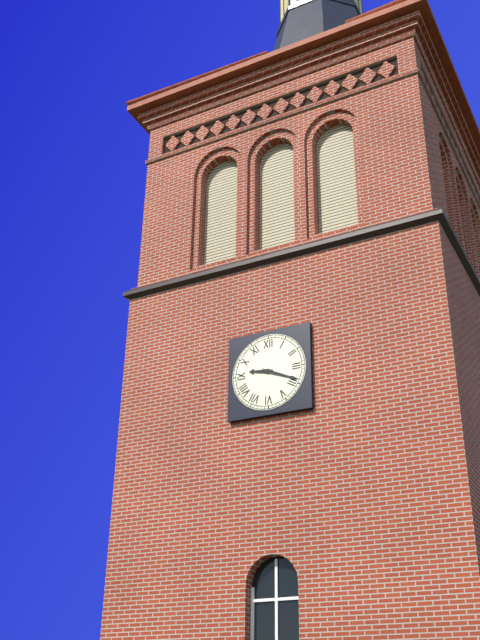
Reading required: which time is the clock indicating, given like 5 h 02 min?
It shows 9 h 19 min
